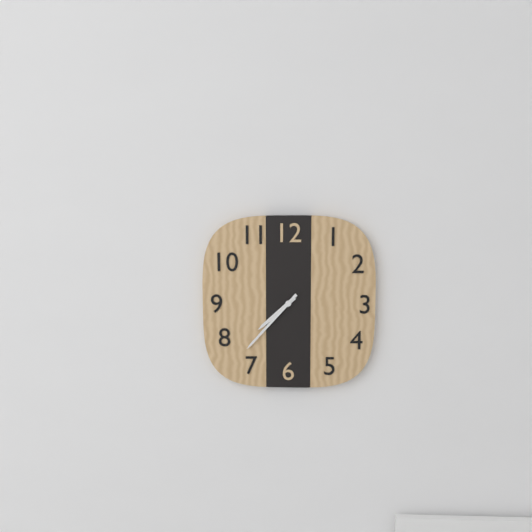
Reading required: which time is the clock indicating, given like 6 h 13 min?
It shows 7 h 37 min
